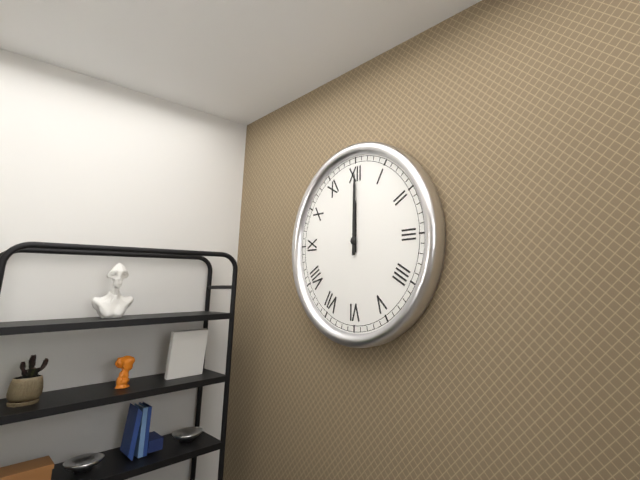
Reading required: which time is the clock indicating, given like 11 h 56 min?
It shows 12 h 00 min
